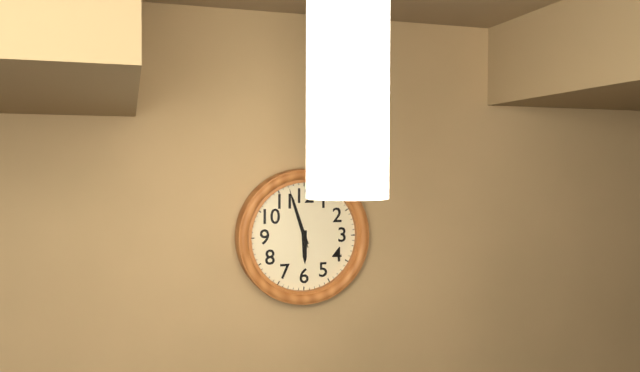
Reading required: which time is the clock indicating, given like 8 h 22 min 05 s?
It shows 5 h 57 min 57 s
